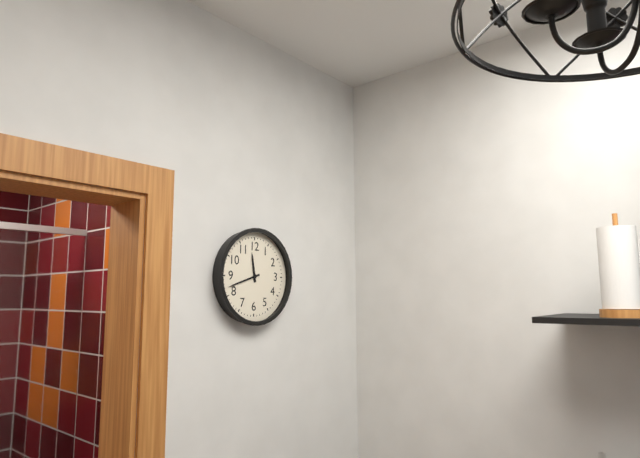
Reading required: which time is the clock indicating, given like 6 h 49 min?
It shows 11 h 42 min
